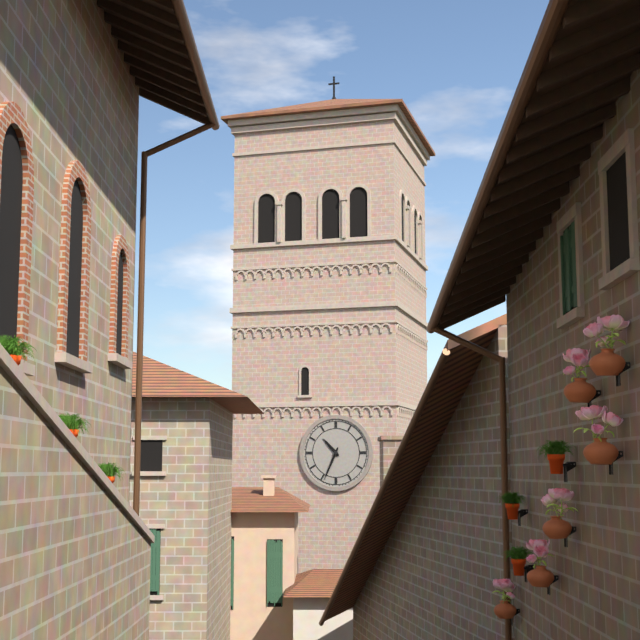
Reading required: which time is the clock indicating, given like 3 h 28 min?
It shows 10 h 34 min
